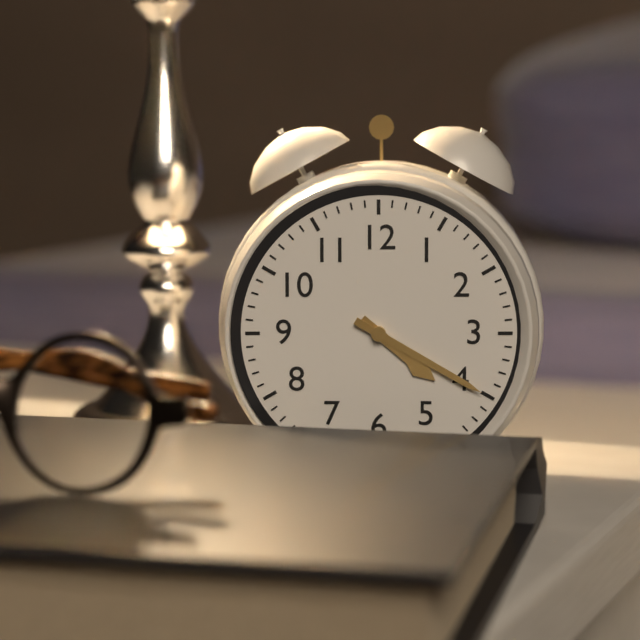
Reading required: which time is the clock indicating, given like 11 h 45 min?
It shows 4 h 20 min
